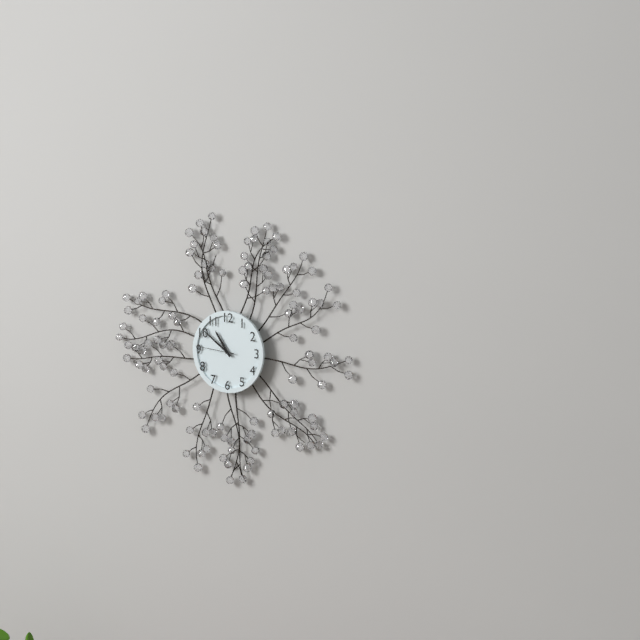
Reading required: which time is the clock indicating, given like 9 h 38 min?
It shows 10 h 51 min
